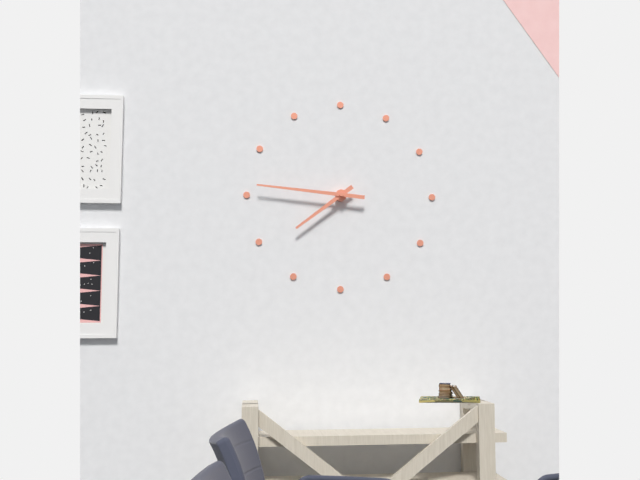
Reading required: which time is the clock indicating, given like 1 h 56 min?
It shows 7 h 46 min
